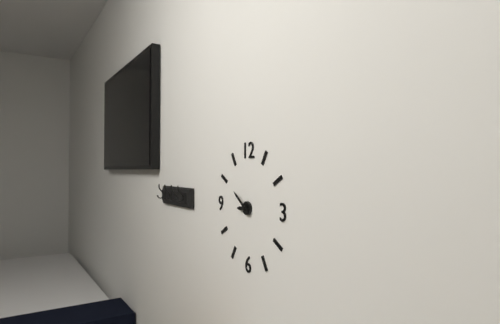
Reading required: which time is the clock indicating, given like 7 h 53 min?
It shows 8 h 51 min
